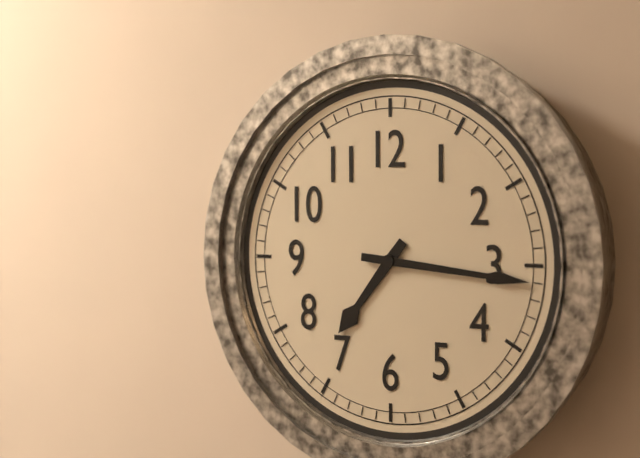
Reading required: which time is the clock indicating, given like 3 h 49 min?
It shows 7 h 16 min
